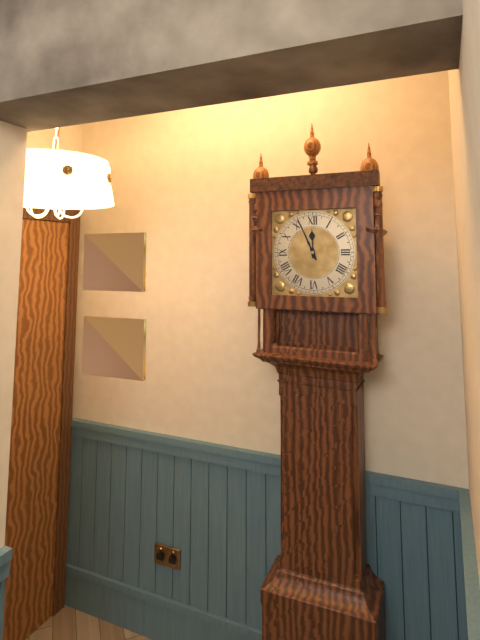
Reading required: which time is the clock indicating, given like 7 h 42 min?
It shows 11 h 56 min
